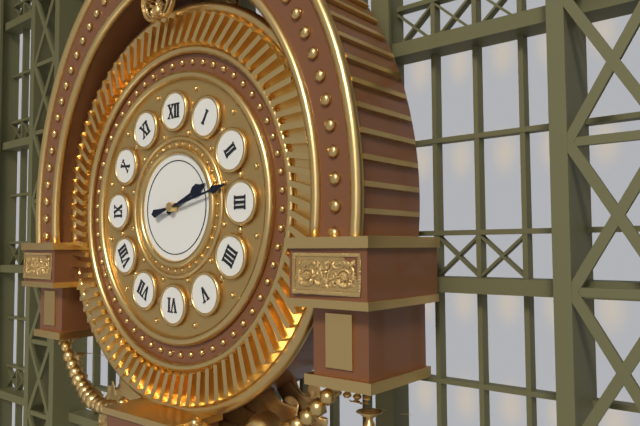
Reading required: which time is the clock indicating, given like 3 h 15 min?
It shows 2 h 13 min
